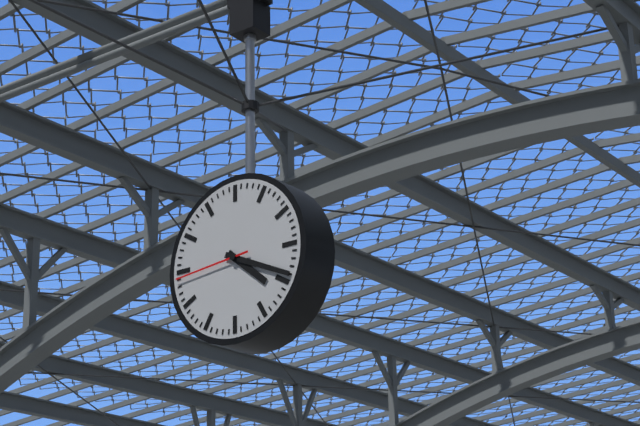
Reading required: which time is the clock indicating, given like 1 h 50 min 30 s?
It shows 4 h 19 min 44 s
